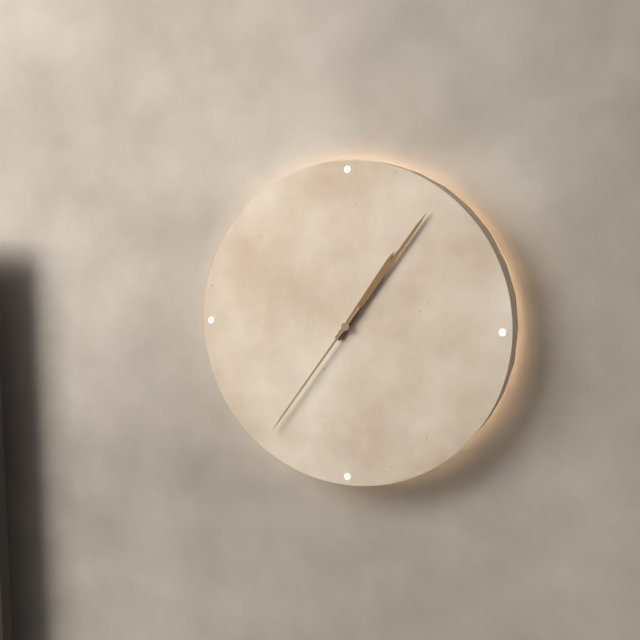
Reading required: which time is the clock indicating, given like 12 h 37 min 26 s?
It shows 1 h 06 min 36 s
